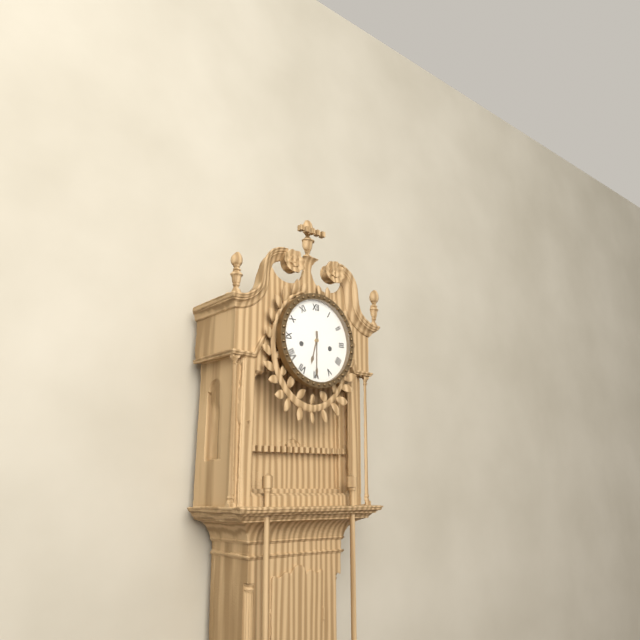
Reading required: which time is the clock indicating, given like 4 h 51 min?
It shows 6 h 30 min
